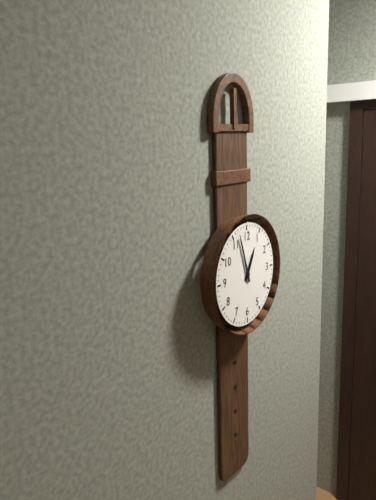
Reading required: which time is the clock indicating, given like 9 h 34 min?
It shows 12 h 57 min
